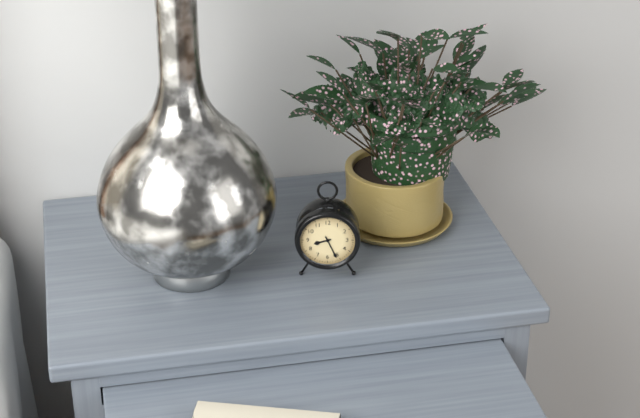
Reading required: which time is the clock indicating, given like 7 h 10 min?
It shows 8 h 26 min
